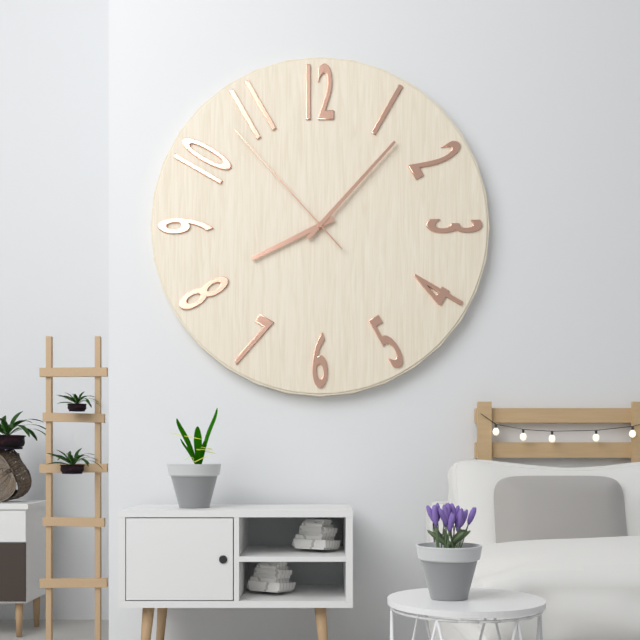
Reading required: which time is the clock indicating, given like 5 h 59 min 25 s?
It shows 8 h 07 min 53 s
